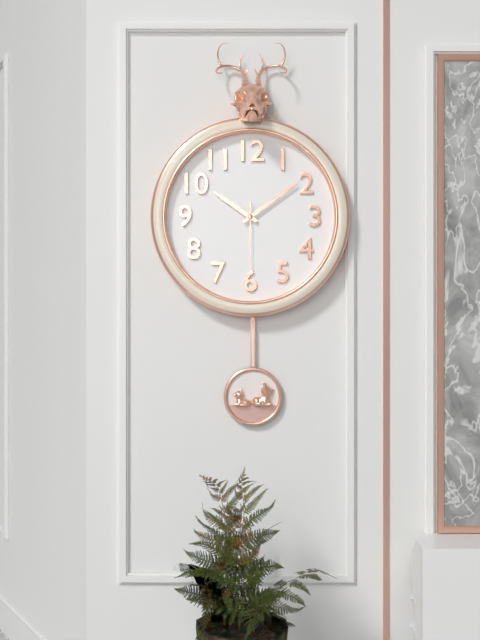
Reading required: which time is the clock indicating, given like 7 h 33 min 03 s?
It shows 10 h 09 min 30 s
